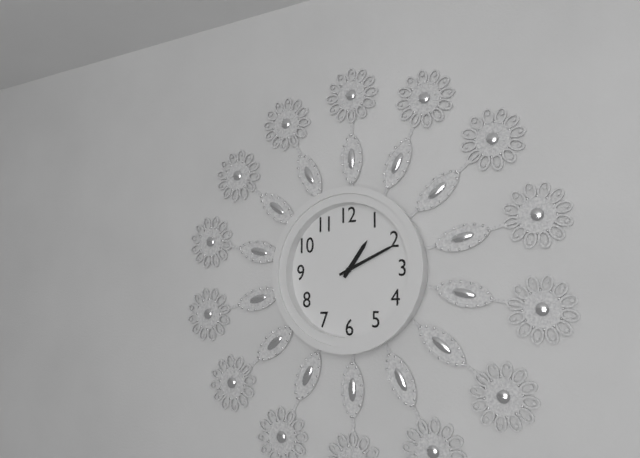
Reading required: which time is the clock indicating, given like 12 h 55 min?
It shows 1 h 11 min
